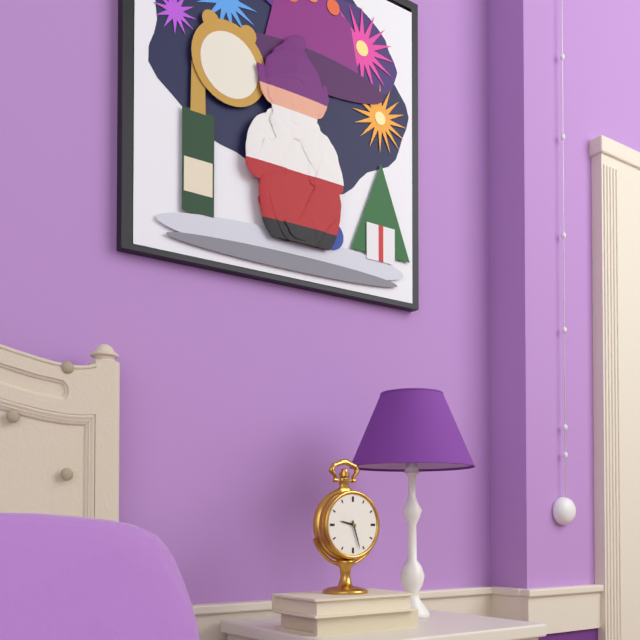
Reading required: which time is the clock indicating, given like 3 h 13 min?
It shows 9 h 27 min
